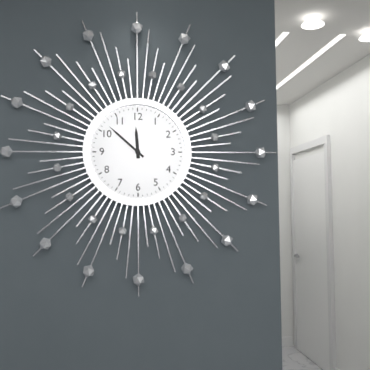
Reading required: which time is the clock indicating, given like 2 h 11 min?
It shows 11 h 52 min
